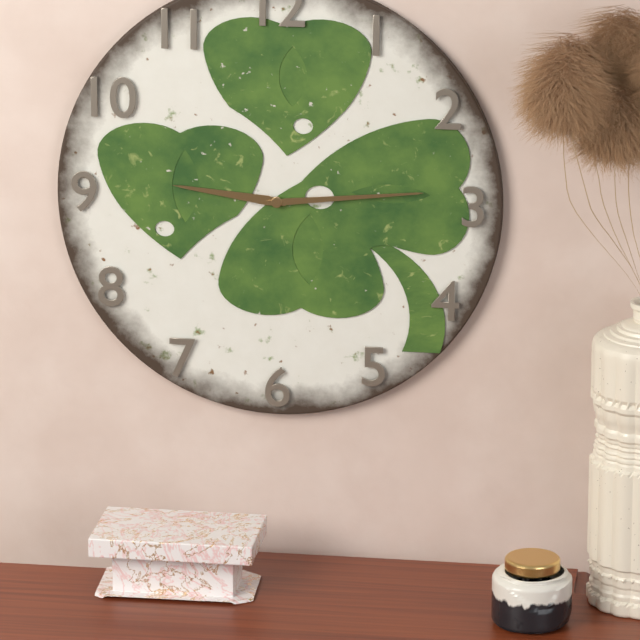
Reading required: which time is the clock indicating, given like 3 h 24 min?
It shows 9 h 14 min
